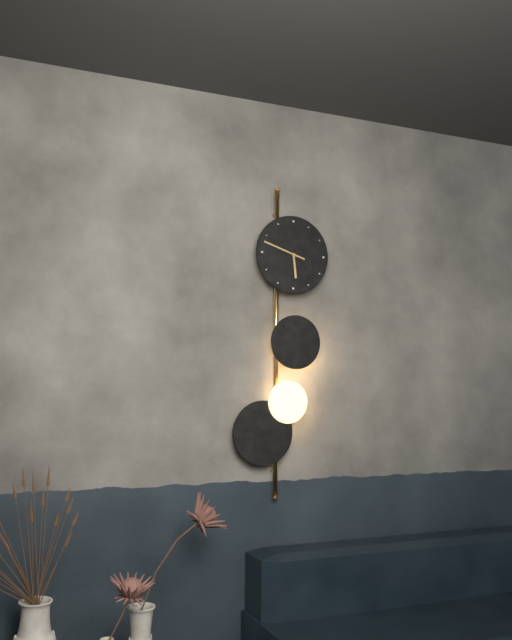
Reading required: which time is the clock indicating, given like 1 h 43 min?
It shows 5 h 48 min
